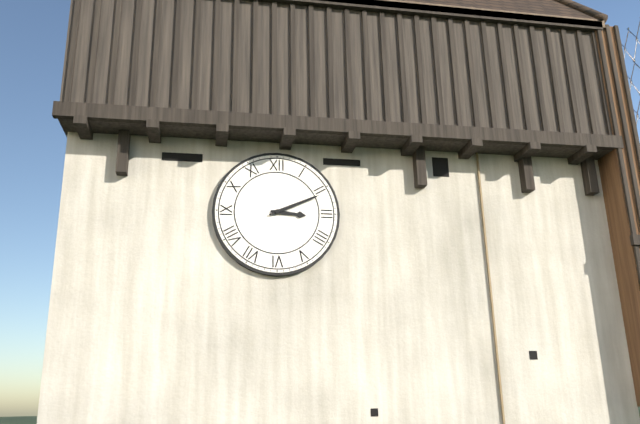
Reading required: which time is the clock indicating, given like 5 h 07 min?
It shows 3 h 11 min
